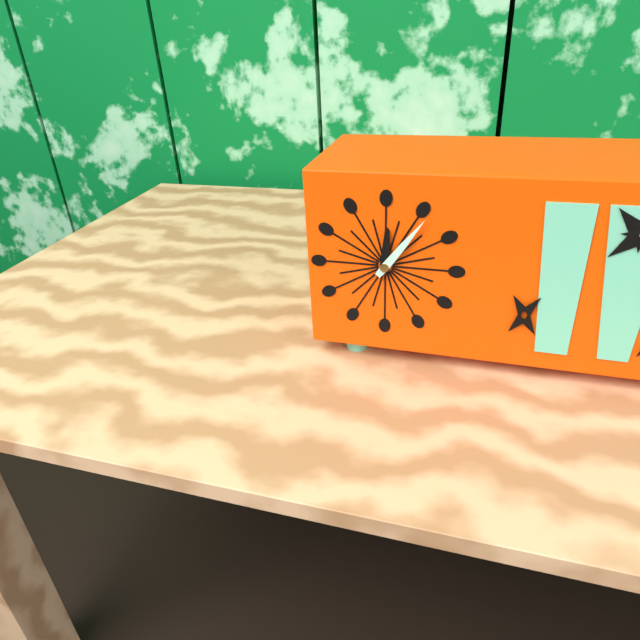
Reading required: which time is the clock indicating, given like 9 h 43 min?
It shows 12 h 06 min
